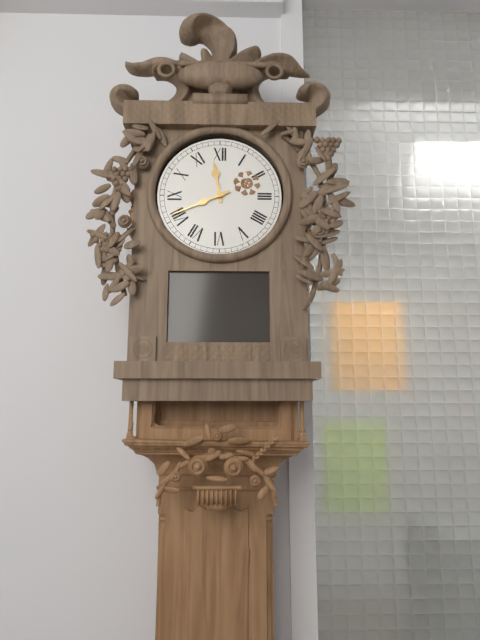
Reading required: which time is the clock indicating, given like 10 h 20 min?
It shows 11 h 41 min
